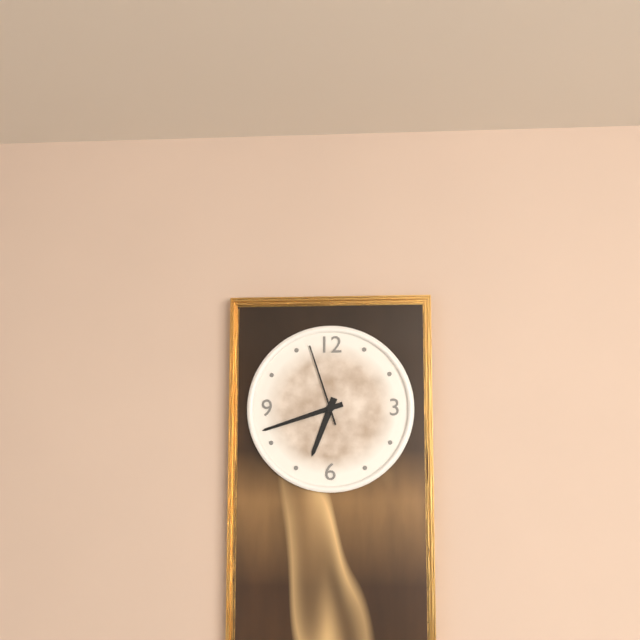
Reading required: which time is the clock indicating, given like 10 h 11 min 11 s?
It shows 6 h 42 min 57 s
